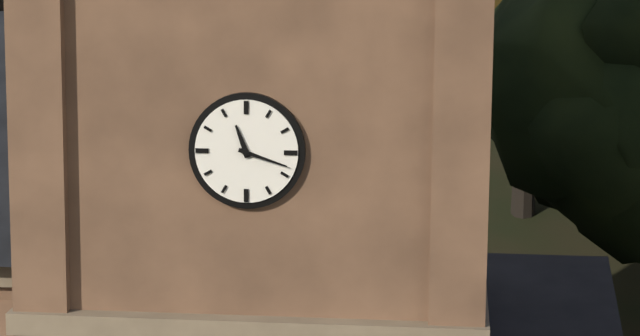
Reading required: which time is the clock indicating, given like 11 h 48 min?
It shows 11 h 18 min
